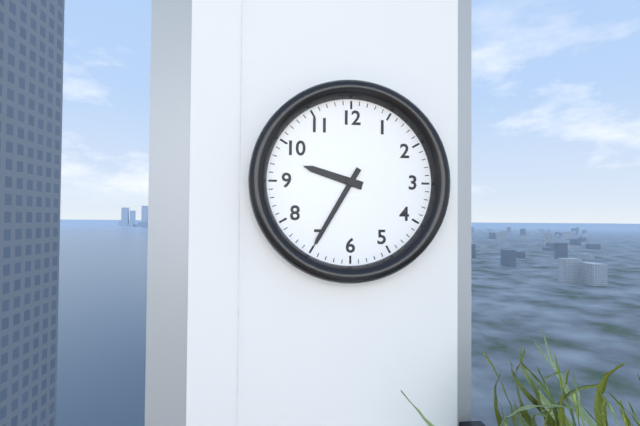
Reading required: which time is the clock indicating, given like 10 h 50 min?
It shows 9 h 35 min
